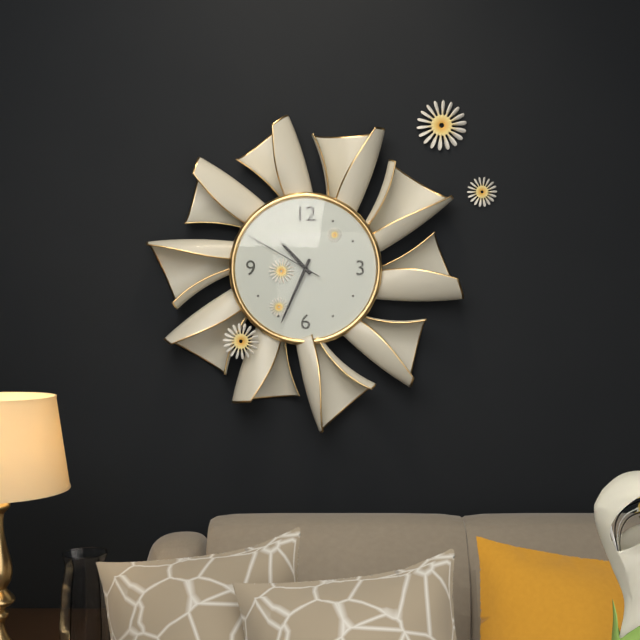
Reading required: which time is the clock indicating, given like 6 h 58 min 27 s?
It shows 10 h 34 min 50 s
